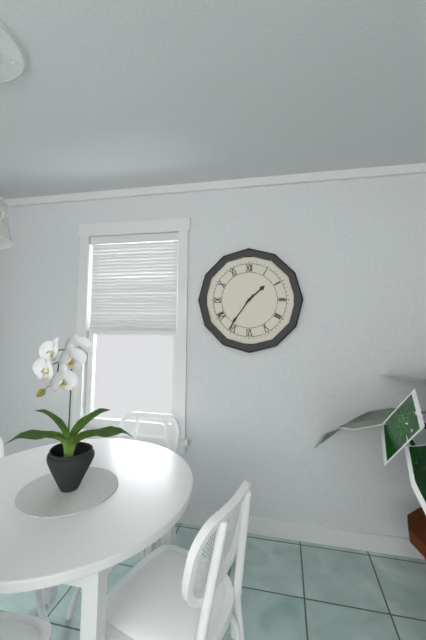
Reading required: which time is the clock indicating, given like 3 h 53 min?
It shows 1 h 36 min
